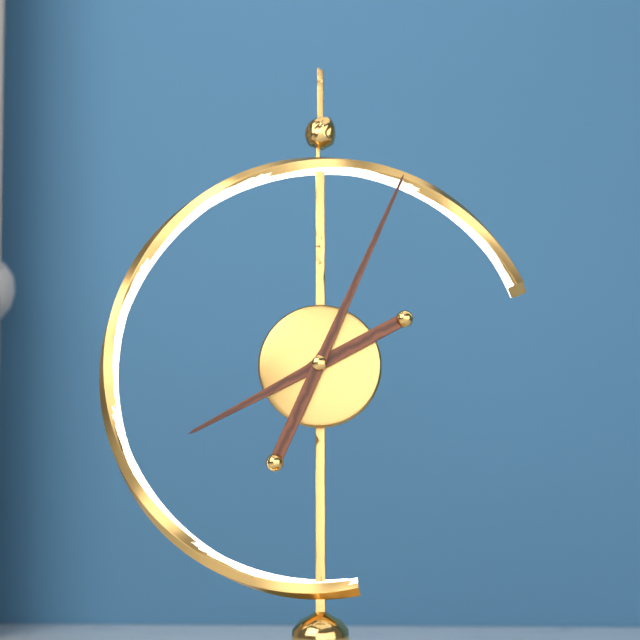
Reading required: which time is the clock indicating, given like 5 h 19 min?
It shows 8 h 04 min
